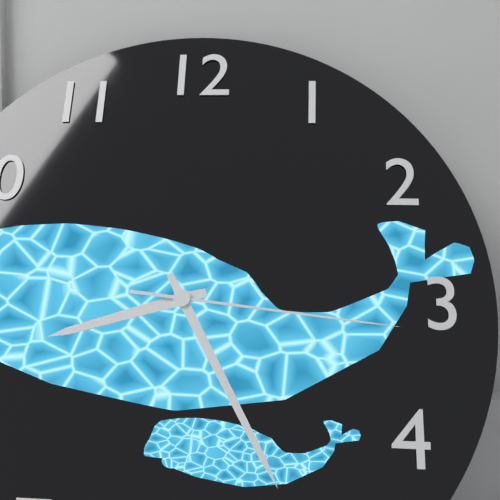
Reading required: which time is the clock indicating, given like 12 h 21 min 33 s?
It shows 8 h 25 min 16 s
